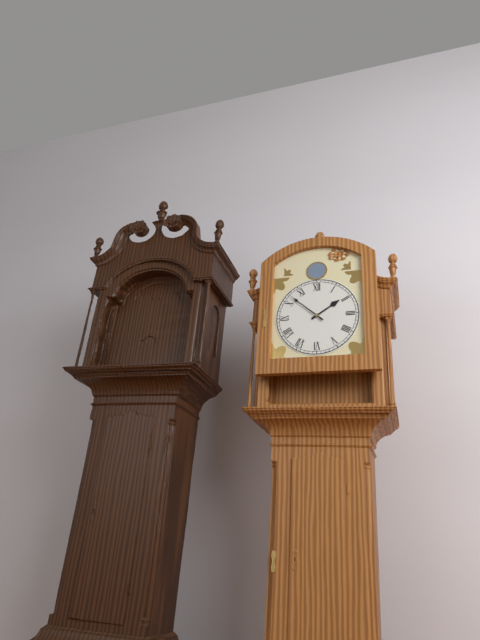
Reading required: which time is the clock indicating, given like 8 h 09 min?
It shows 1 h 52 min
